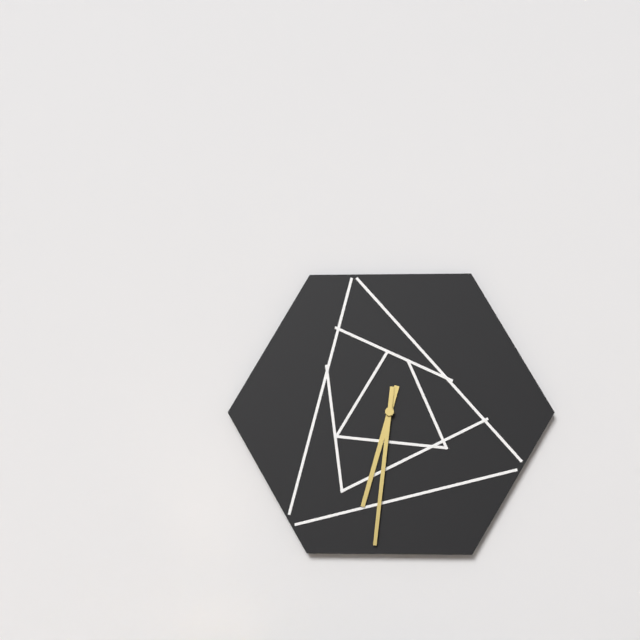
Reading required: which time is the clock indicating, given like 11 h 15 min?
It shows 6 h 31 min
